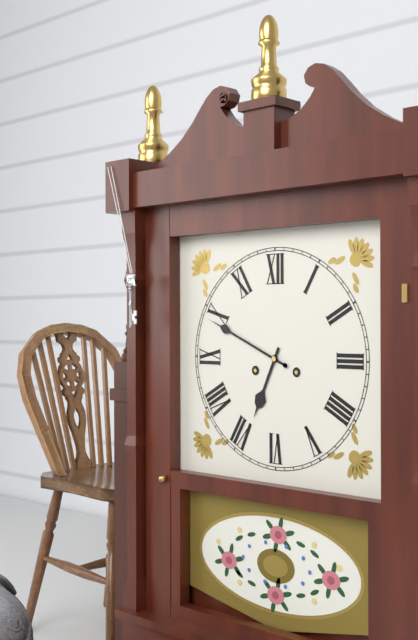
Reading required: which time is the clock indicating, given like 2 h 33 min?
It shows 6 h 49 min
